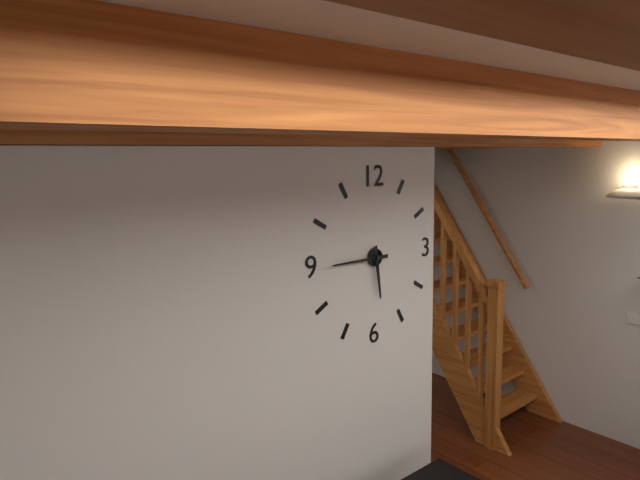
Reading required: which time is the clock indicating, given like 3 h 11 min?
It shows 5 h 45 min
